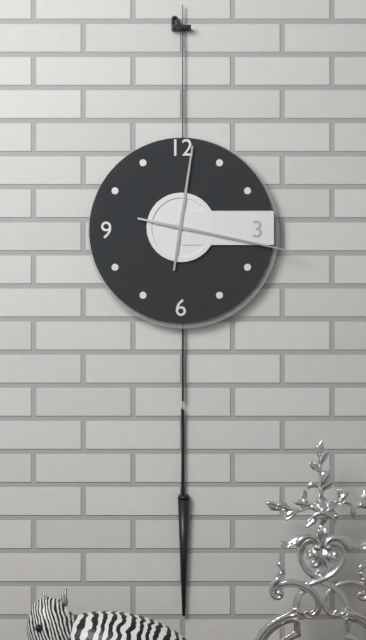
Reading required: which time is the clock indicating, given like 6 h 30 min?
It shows 12 h 17 min
